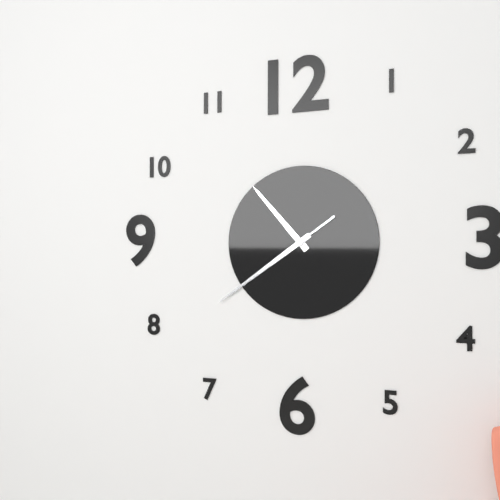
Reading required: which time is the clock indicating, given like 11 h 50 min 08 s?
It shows 10 h 39 min 39 s
